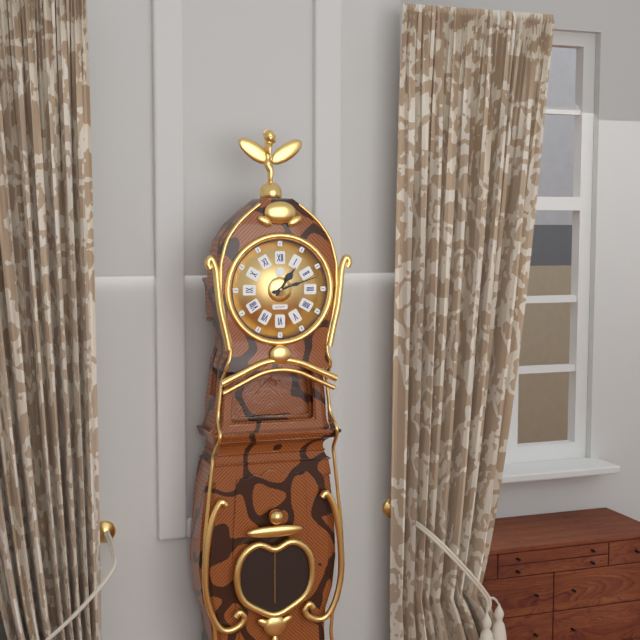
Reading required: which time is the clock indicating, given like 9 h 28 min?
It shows 1 h 12 min
